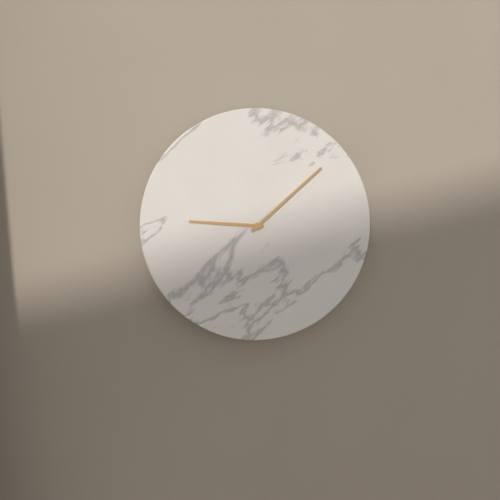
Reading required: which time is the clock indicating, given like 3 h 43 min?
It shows 9 h 08 min
